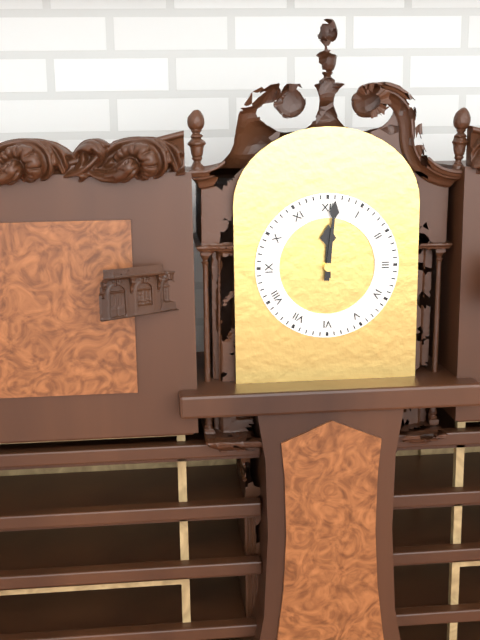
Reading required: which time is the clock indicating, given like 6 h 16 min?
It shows 12 h 01 min
